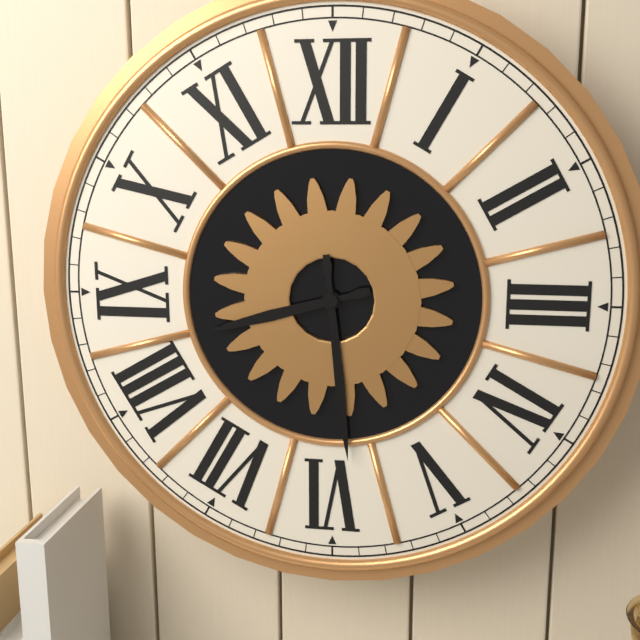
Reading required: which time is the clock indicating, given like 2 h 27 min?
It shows 8 h 29 min
